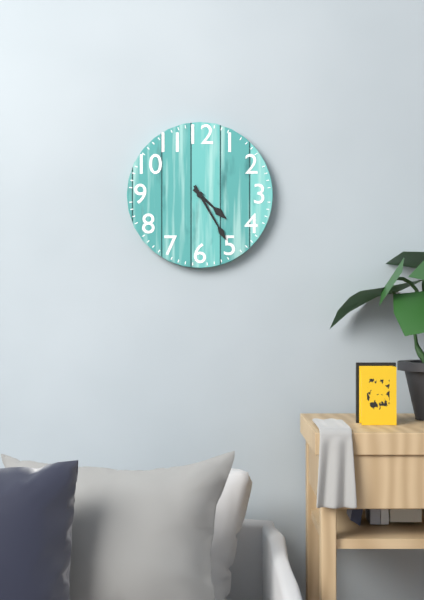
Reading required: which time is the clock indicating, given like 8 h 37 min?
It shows 4 h 25 min
